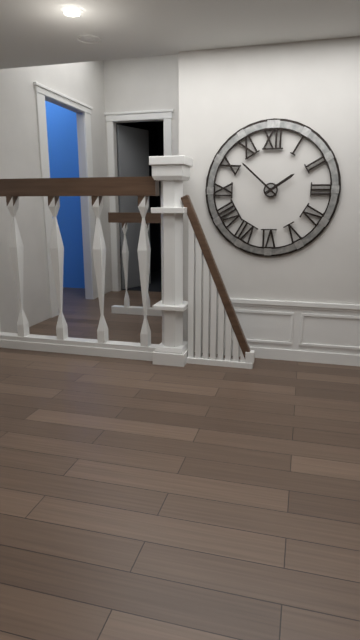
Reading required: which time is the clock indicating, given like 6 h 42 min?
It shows 1 h 52 min
